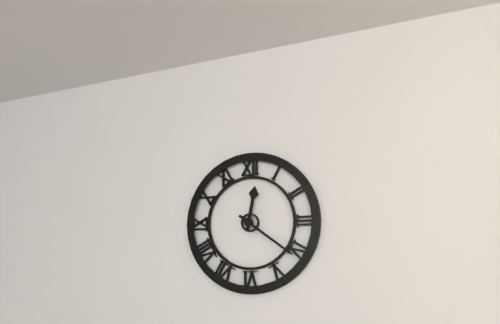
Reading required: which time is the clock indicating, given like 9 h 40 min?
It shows 12 h 21 min
